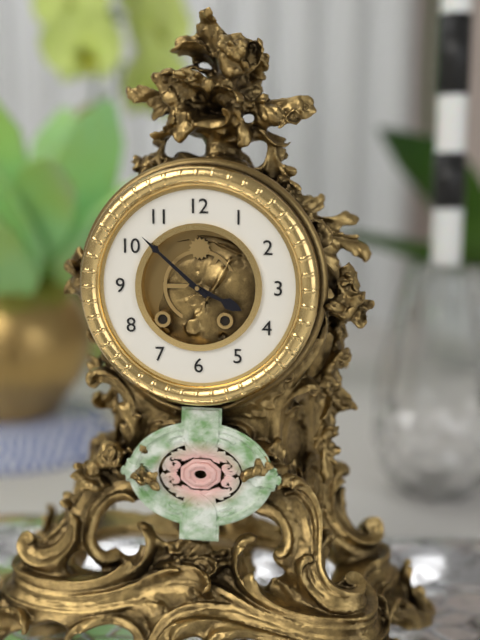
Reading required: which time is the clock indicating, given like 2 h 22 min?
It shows 3 h 52 min
